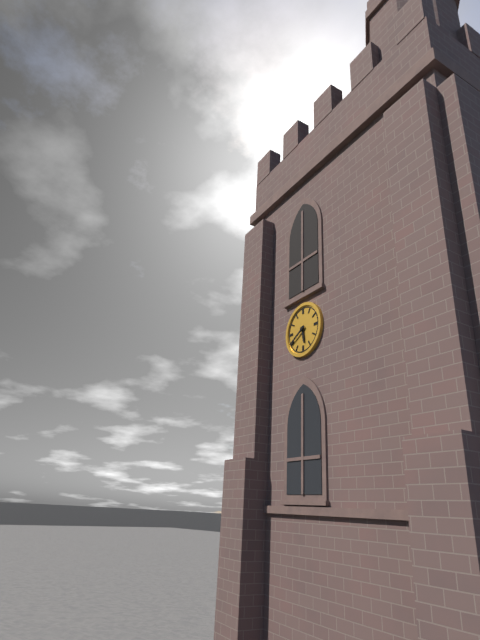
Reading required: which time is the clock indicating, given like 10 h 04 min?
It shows 5 h 40 min
